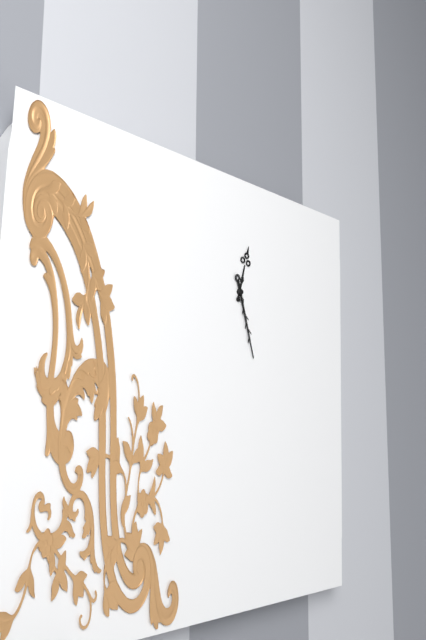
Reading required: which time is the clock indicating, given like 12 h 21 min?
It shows 12 h 27 min
